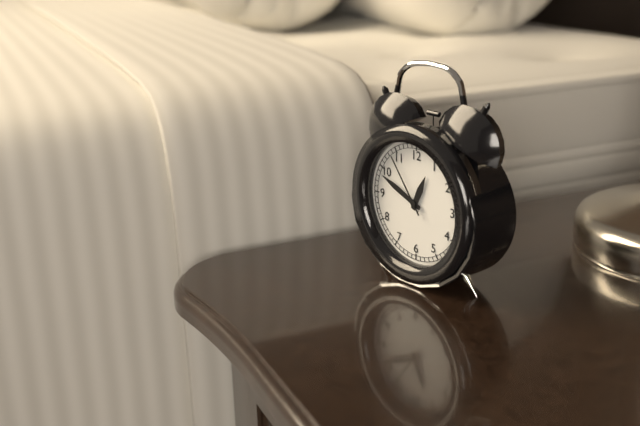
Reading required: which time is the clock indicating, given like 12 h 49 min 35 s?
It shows 12 h 49 min 54 s
